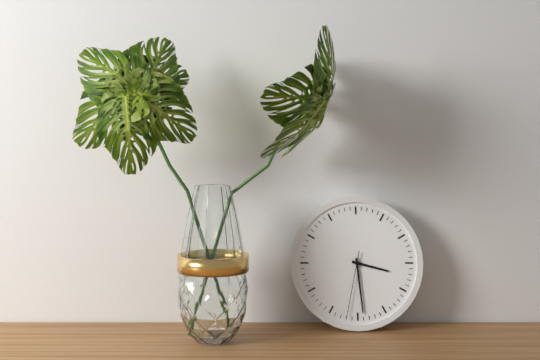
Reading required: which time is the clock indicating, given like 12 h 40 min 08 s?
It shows 3 h 29 min 32 s
